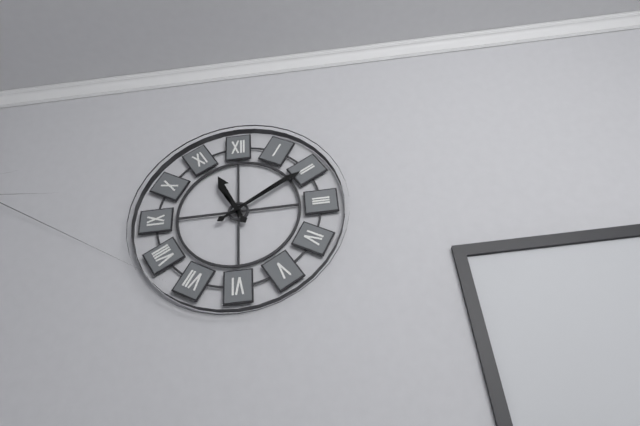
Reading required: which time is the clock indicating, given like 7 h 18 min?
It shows 11 h 10 min
